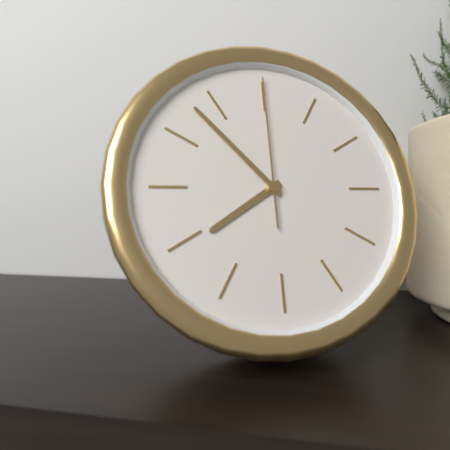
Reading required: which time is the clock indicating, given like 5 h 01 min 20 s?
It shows 7 h 53 min 00 s
